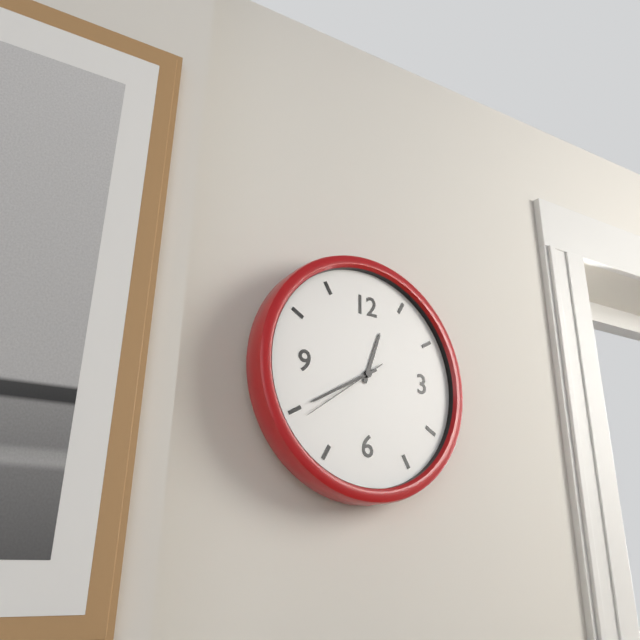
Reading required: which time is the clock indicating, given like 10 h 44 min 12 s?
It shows 12 h 40 min 39 s
